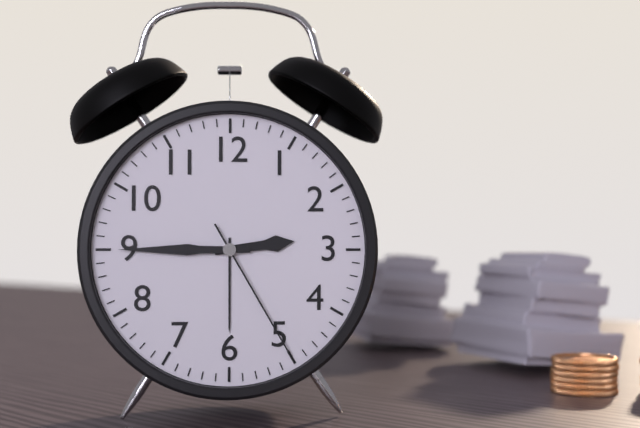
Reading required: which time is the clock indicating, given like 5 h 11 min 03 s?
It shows 2 h 45 min 25 s
